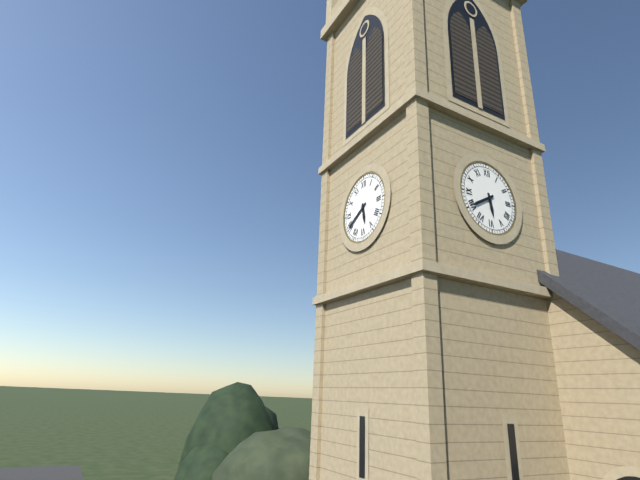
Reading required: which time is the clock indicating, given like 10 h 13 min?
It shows 5 h 40 min
